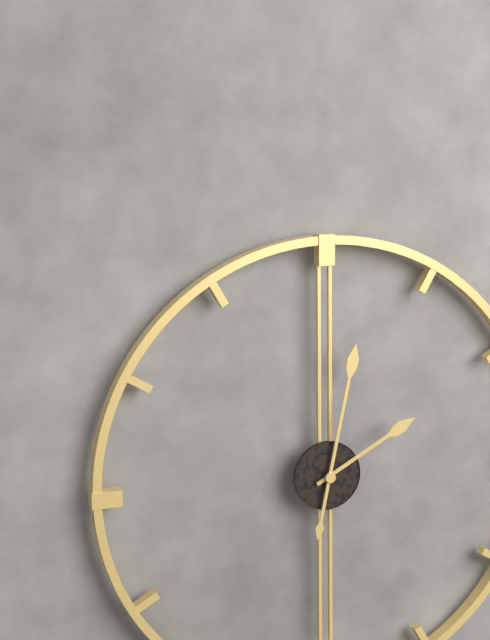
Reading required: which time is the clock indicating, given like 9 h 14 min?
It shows 2 h 02 min
